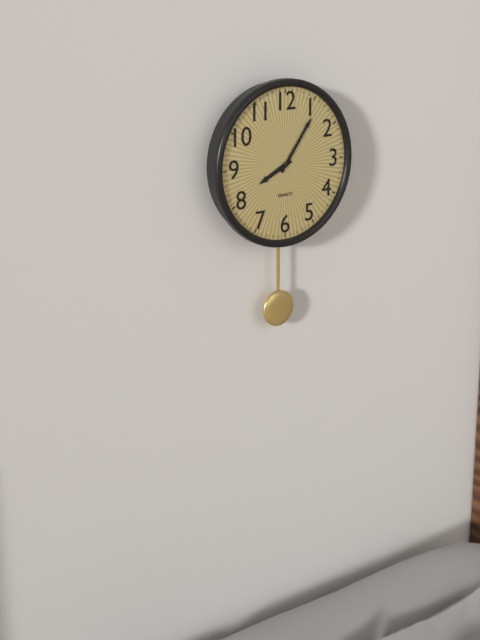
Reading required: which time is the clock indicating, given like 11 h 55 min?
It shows 8 h 06 min
